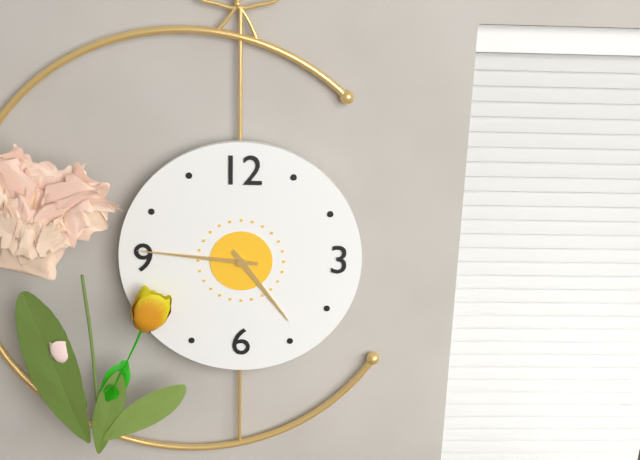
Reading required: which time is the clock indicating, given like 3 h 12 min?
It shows 4 h 46 min
